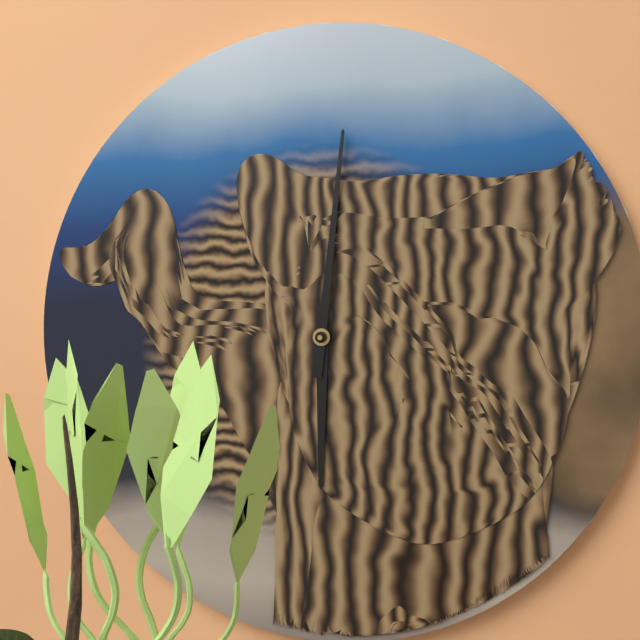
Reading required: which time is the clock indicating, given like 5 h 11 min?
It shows 6 h 01 min
